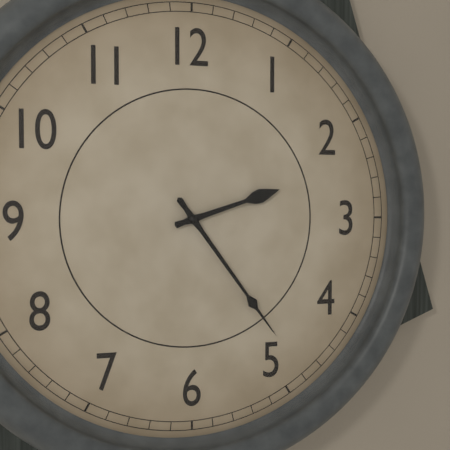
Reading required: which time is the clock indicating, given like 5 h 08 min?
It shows 2 h 24 min
